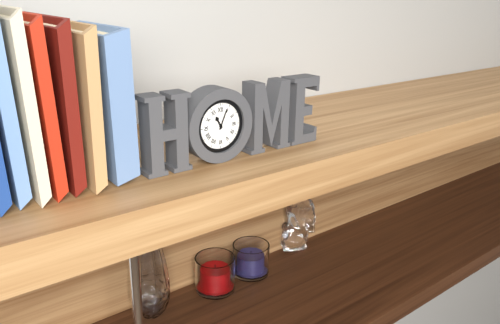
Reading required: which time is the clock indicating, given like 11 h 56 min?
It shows 11 h 04 min
